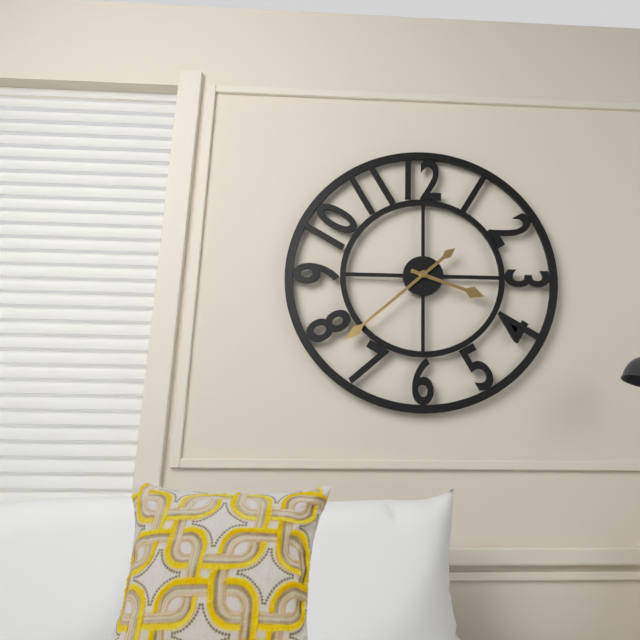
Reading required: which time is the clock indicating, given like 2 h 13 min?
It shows 3 h 38 min
